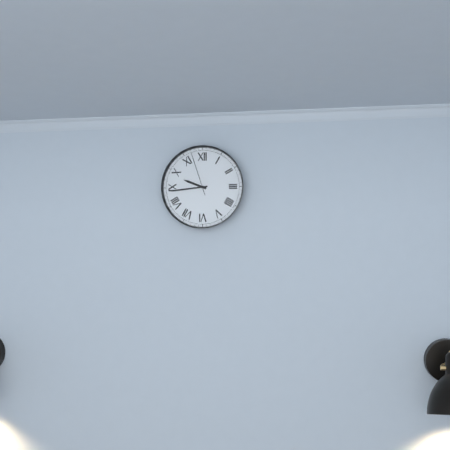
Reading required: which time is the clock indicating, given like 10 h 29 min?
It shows 9 h 44 min
